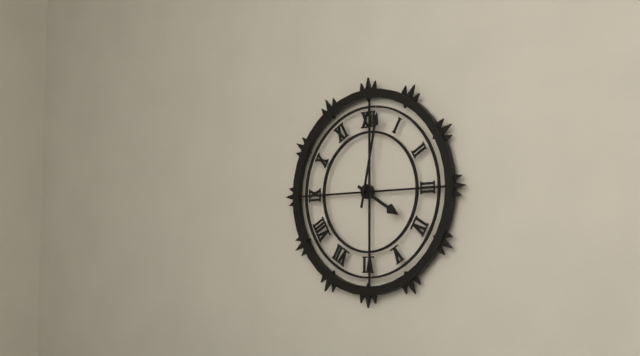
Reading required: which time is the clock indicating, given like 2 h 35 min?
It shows 4 h 02 min
